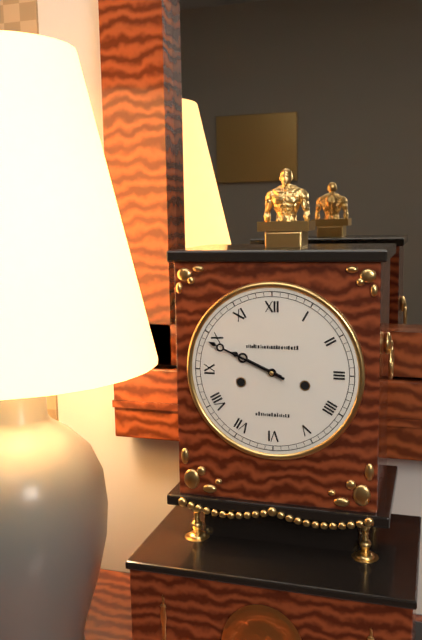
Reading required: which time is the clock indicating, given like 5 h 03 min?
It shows 9 h 49 min
